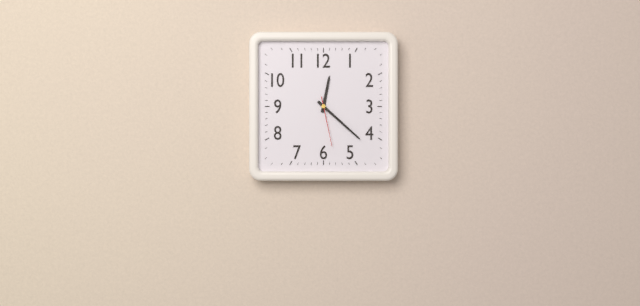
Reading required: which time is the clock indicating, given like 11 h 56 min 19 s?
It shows 12 h 22 min 28 s
